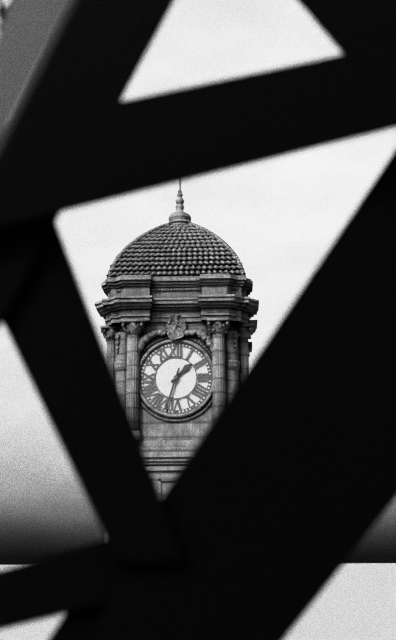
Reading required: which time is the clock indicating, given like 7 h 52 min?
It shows 1 h 33 min
